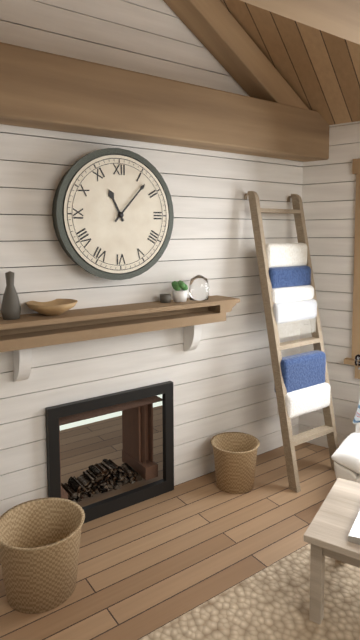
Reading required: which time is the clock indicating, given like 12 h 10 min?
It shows 11 h 07 min
